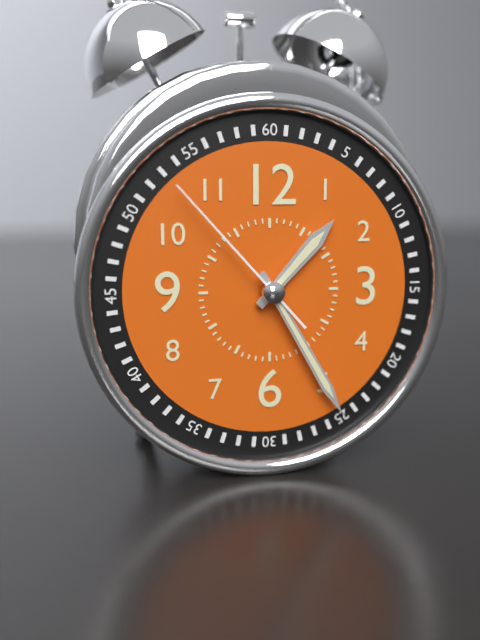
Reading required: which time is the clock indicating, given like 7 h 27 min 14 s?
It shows 1 h 25 min 53 s
